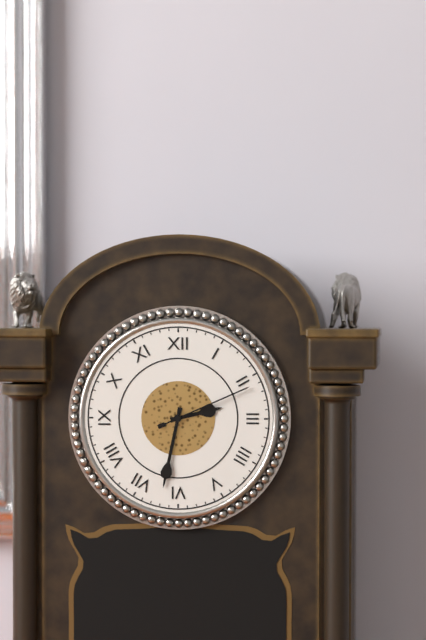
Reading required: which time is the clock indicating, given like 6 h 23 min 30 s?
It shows 2 h 32 min 11 s
